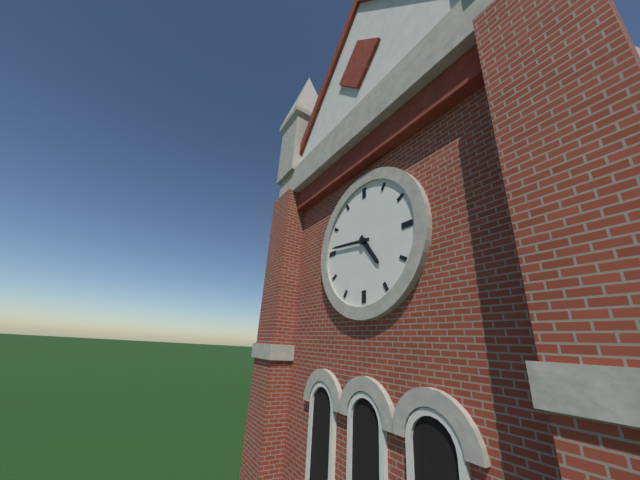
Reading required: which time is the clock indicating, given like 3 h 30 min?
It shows 4 h 46 min
